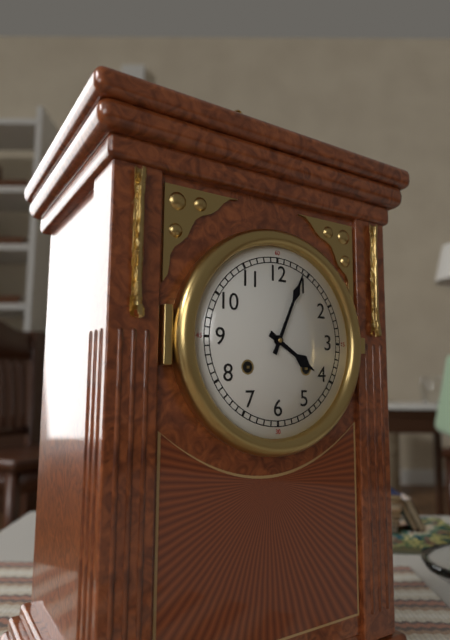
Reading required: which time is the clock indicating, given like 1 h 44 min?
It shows 4 h 04 min
